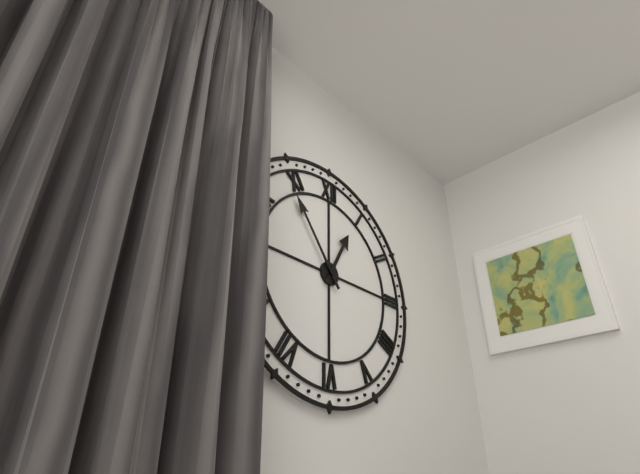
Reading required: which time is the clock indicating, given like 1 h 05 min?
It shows 12 h 54 min
